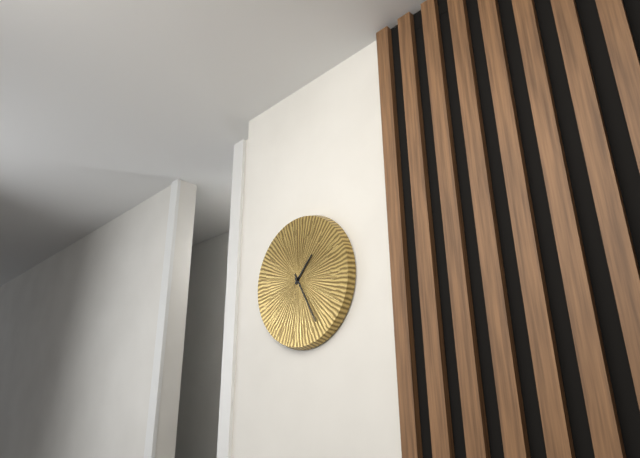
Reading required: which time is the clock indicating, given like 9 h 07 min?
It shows 1 h 25 min
